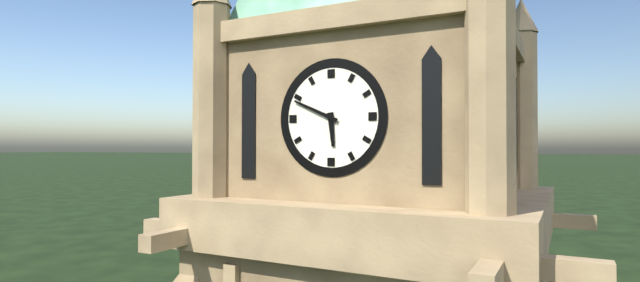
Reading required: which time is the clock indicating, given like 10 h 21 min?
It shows 5 h 49 min
